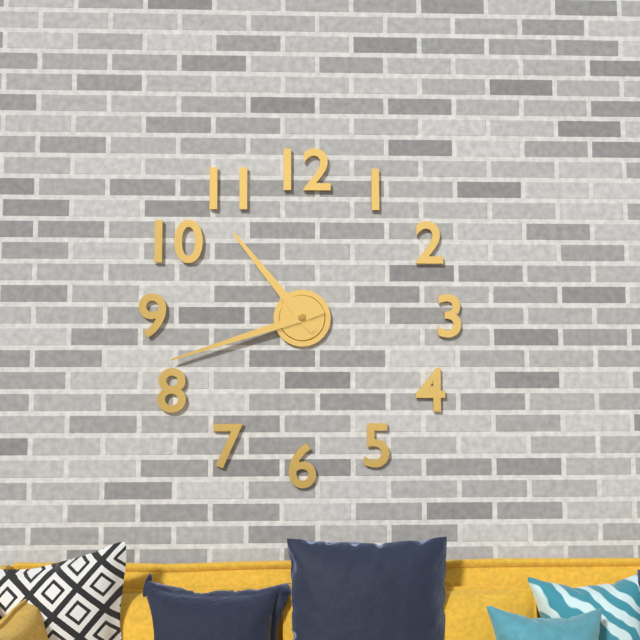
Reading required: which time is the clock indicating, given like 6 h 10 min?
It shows 10 h 42 min
